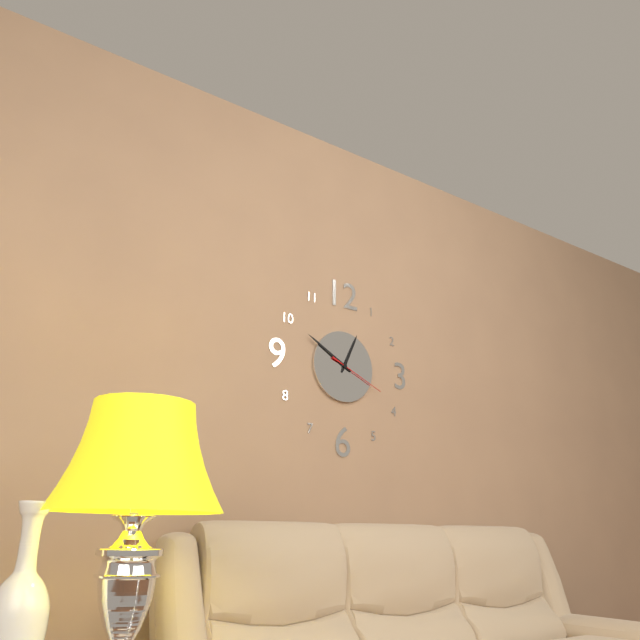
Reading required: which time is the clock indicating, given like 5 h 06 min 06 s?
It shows 12 h 50 min 19 s
